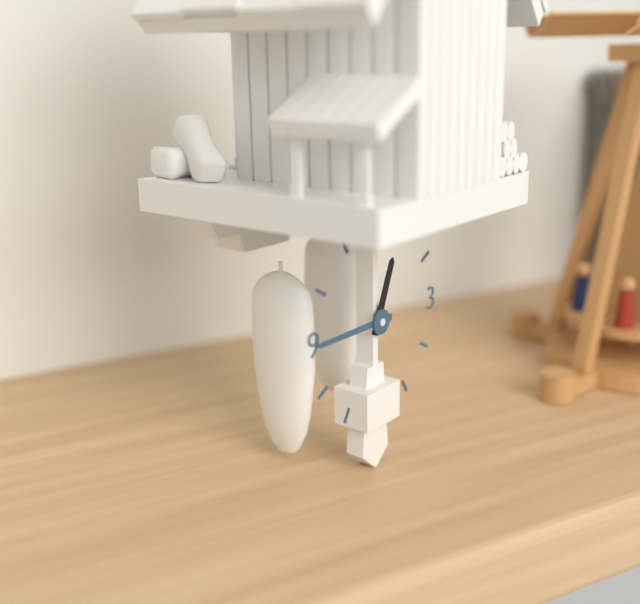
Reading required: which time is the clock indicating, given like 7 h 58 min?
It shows 12 h 45 min
